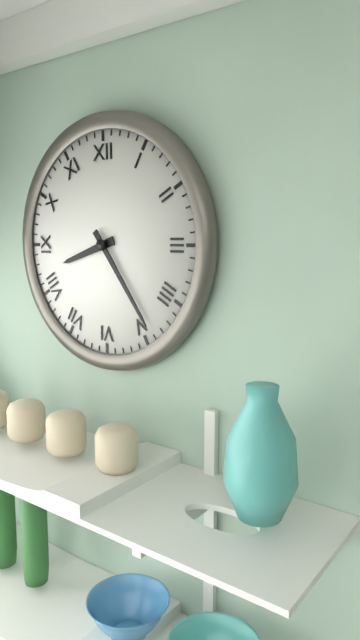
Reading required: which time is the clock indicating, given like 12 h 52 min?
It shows 8 h 24 min
